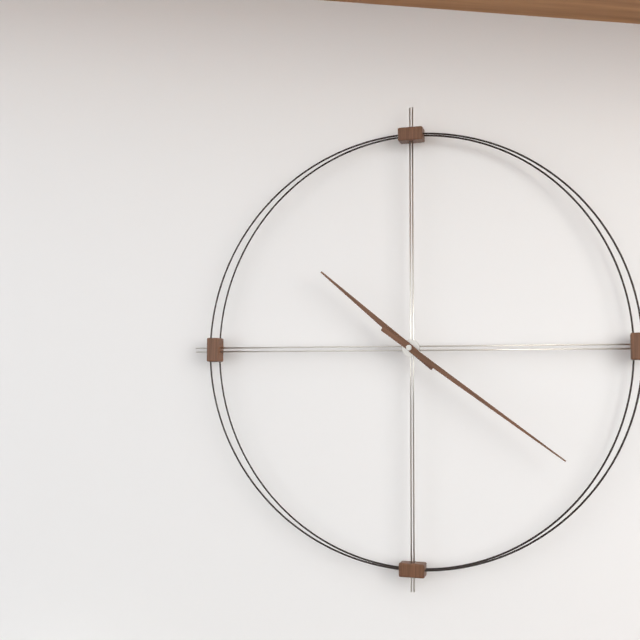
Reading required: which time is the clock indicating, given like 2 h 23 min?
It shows 10 h 21 min
